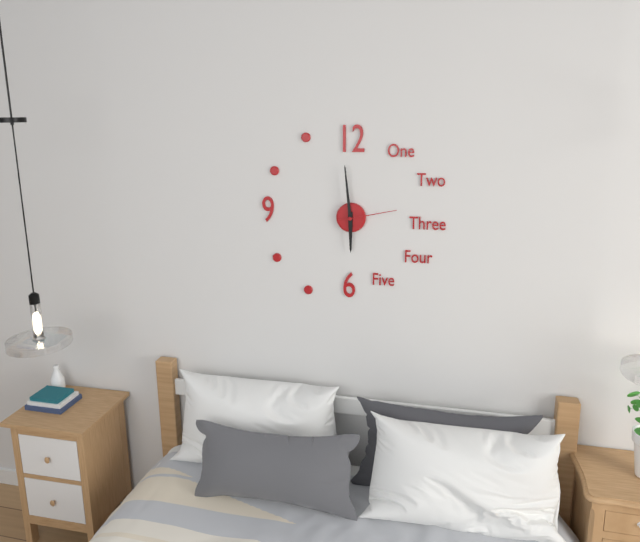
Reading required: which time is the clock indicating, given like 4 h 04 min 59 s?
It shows 5 h 59 min 13 s
